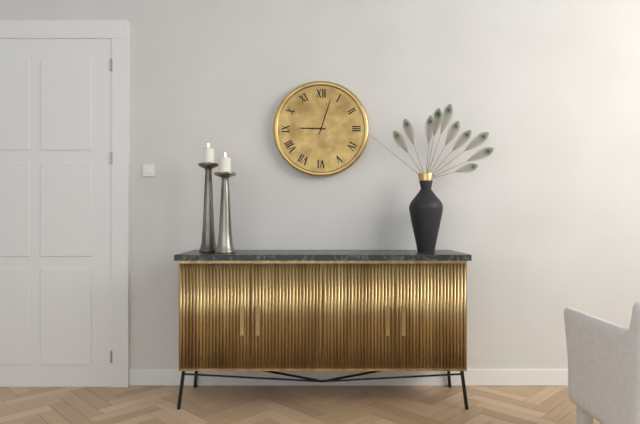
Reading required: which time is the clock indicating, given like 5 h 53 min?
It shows 9 h 03 min
